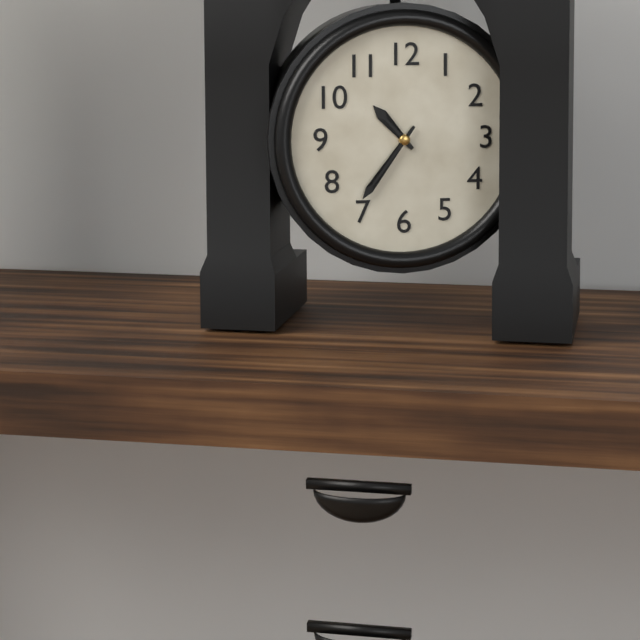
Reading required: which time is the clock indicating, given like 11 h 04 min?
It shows 10 h 36 min
